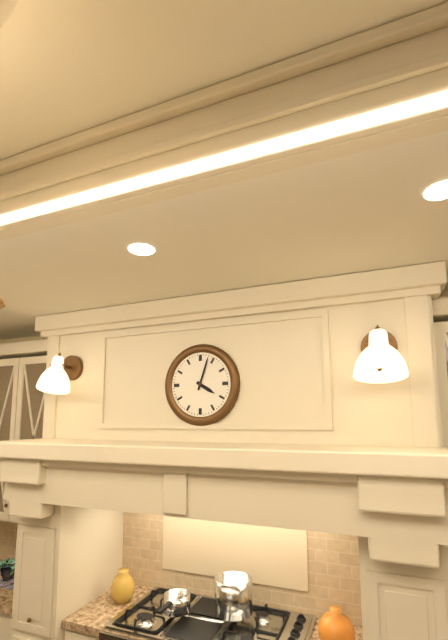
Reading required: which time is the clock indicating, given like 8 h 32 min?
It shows 4 h 03 min
